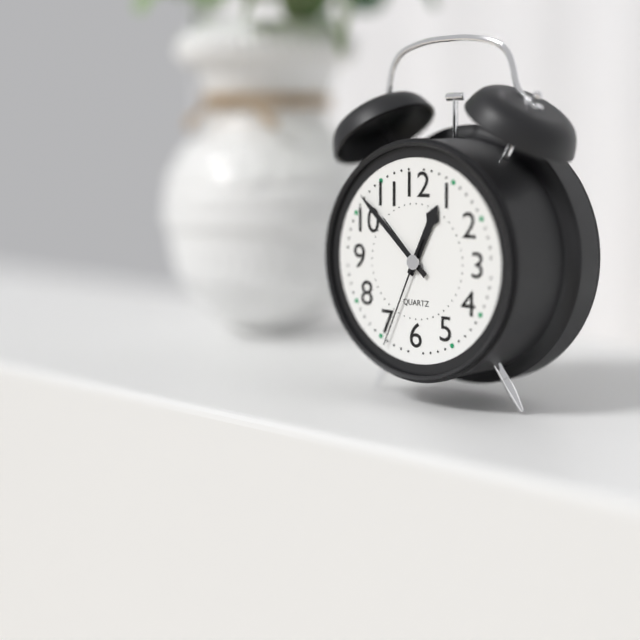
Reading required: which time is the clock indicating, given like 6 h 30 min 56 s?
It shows 12 h 52 min 34 s
